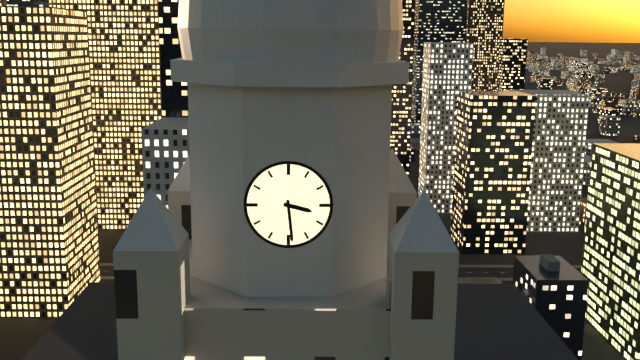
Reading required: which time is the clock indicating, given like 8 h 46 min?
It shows 3 h 29 min
